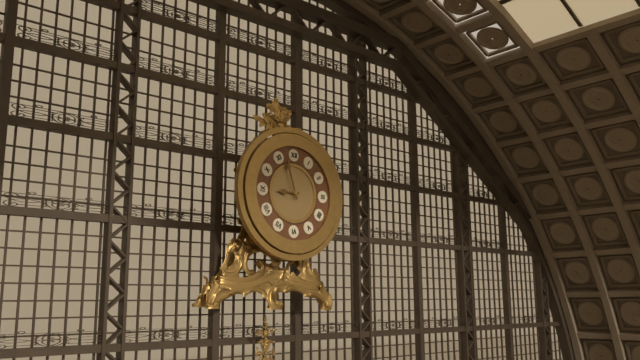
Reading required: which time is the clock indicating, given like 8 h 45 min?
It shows 8 h 57 min
